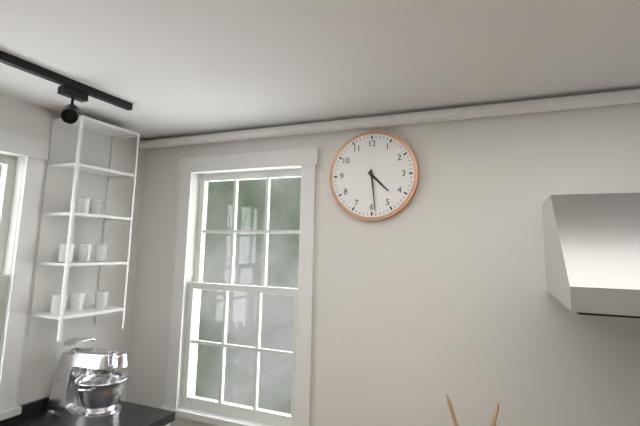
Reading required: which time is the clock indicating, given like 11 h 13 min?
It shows 4 h 29 min
